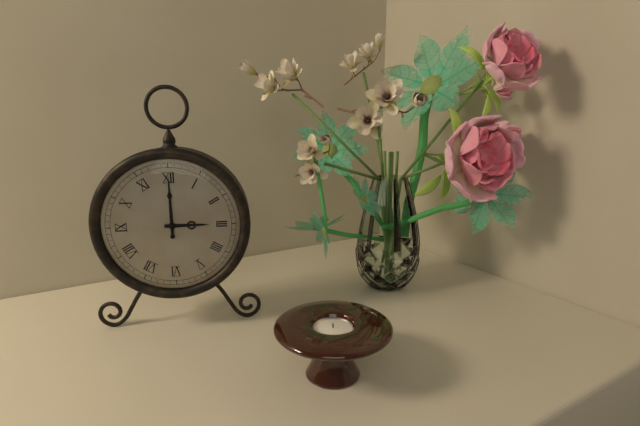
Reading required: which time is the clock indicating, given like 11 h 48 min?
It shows 3 h 00 min
